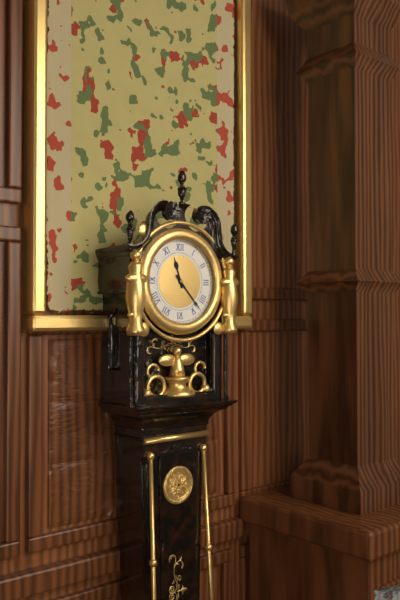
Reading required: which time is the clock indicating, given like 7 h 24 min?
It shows 11 h 23 min
